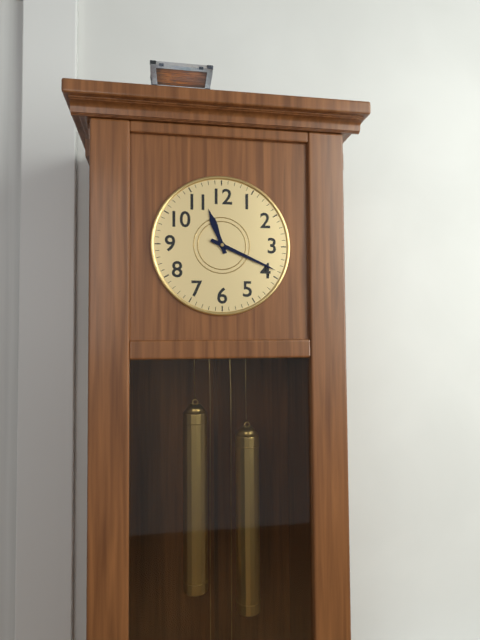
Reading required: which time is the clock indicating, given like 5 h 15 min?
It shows 11 h 19 min
